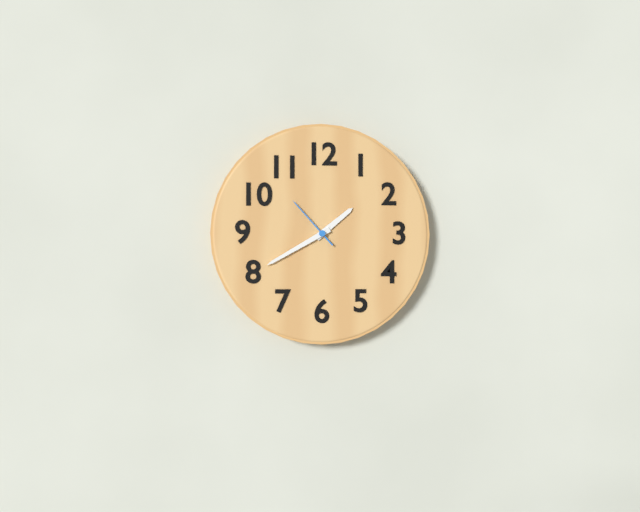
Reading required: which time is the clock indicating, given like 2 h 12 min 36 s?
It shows 1 h 40 min 53 s
